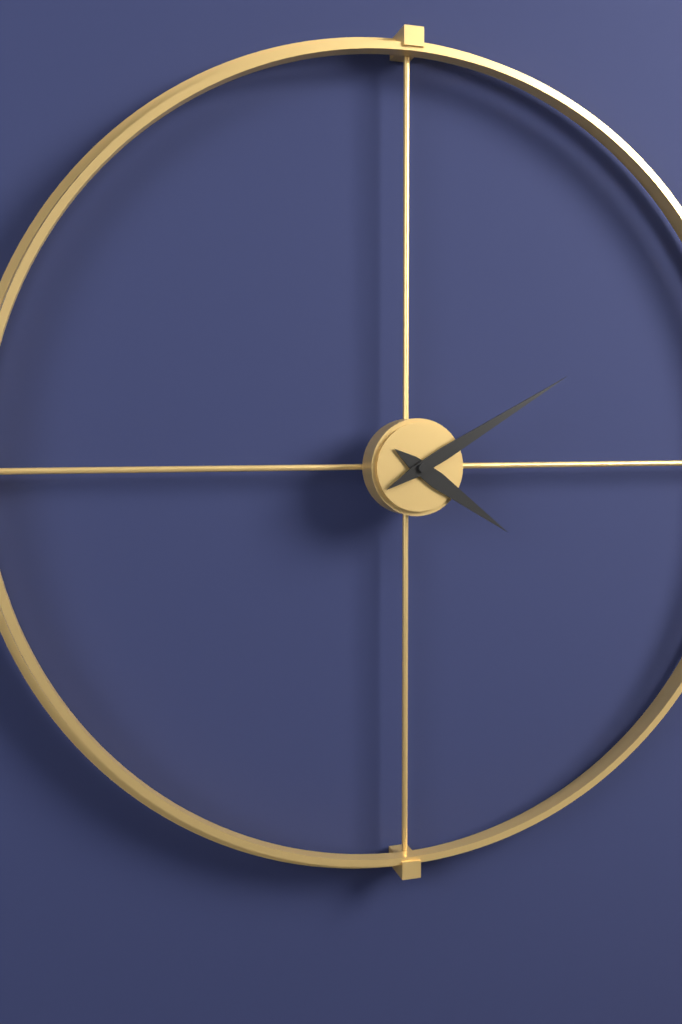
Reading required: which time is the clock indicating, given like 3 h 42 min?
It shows 4 h 10 min
